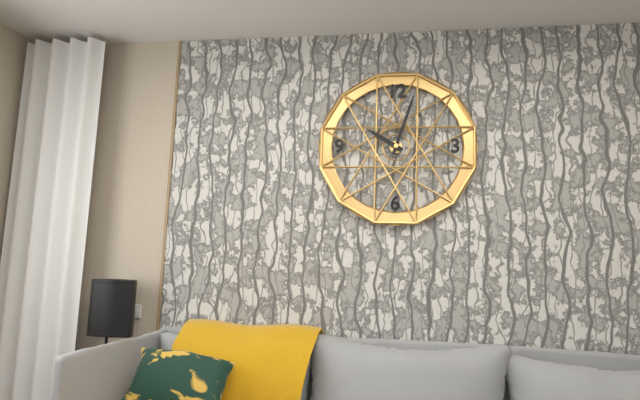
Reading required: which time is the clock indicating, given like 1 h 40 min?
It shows 10 h 03 min
